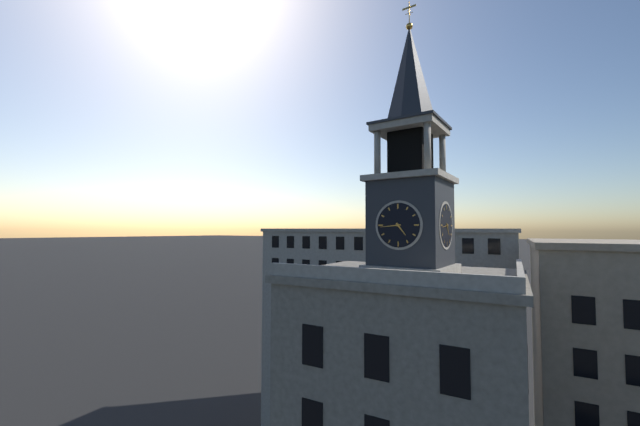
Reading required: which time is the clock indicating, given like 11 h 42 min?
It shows 4 h 44 min
